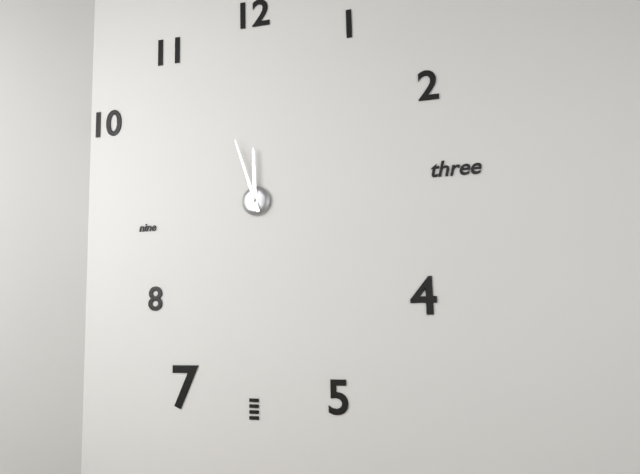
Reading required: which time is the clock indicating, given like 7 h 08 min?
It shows 11 h 57 min
